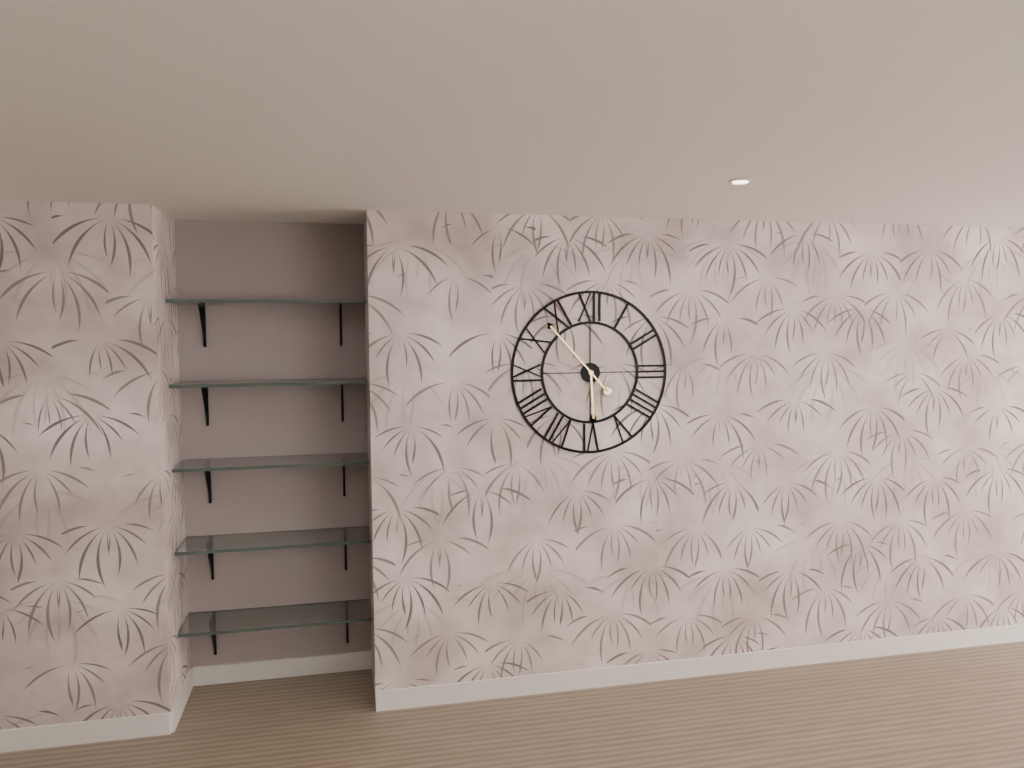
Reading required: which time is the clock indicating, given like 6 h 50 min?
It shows 5 h 53 min
